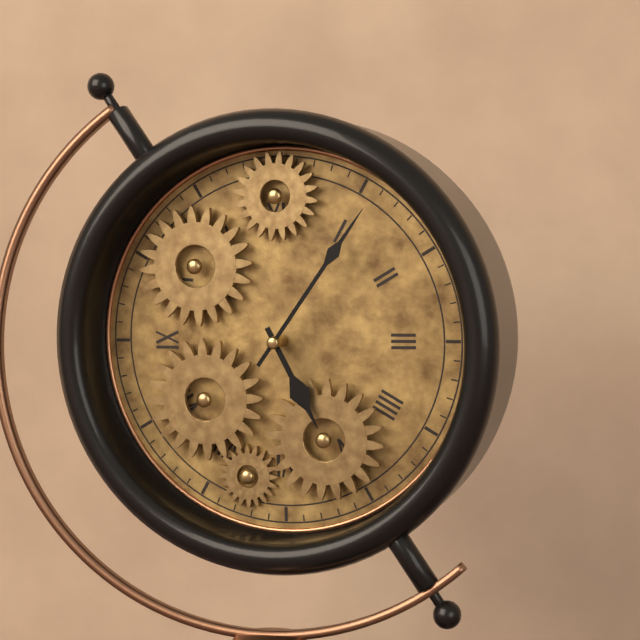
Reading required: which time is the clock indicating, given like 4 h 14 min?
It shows 5 h 06 min
